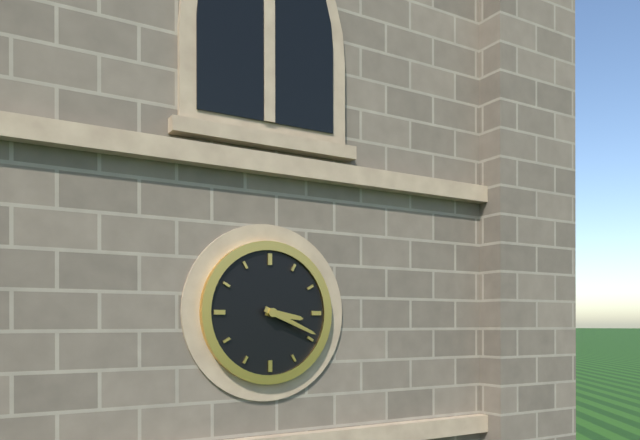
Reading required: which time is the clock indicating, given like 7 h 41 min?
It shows 3 h 19 min
